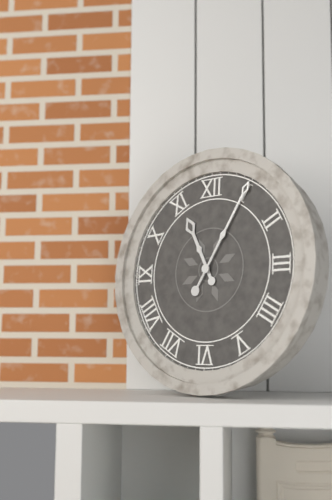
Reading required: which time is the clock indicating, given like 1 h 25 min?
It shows 11 h 05 min
